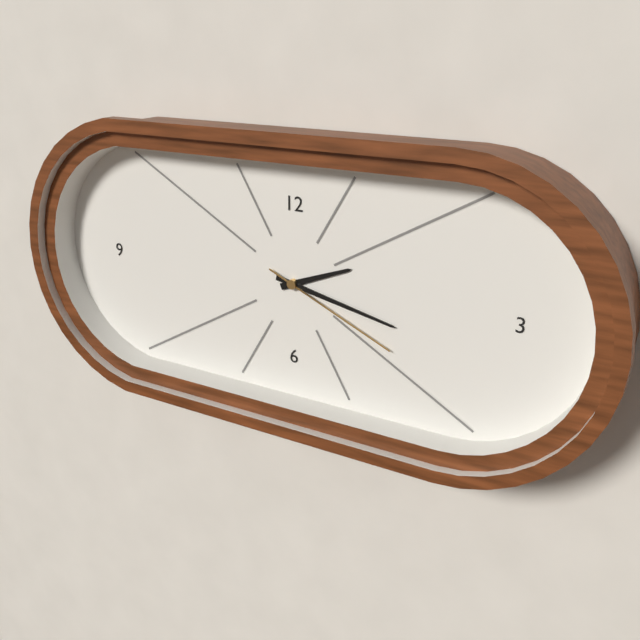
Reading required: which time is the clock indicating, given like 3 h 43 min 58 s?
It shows 2 h 17 min 19 s
